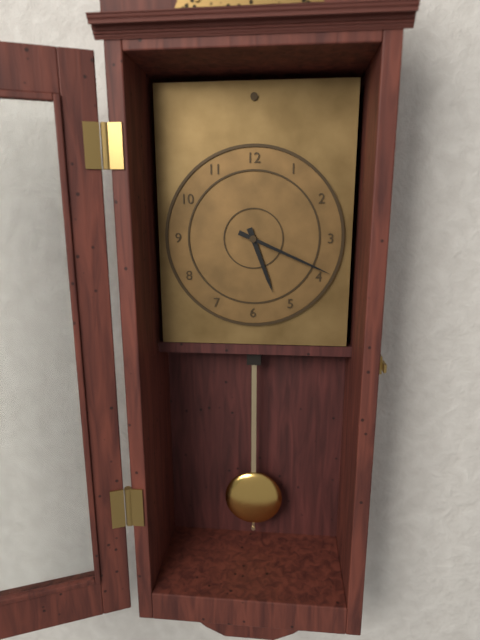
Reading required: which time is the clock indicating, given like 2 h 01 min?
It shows 5 h 19 min
